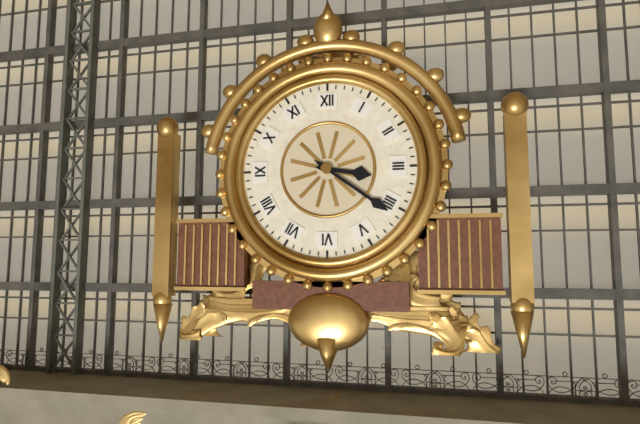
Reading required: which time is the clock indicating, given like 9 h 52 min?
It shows 3 h 21 min
